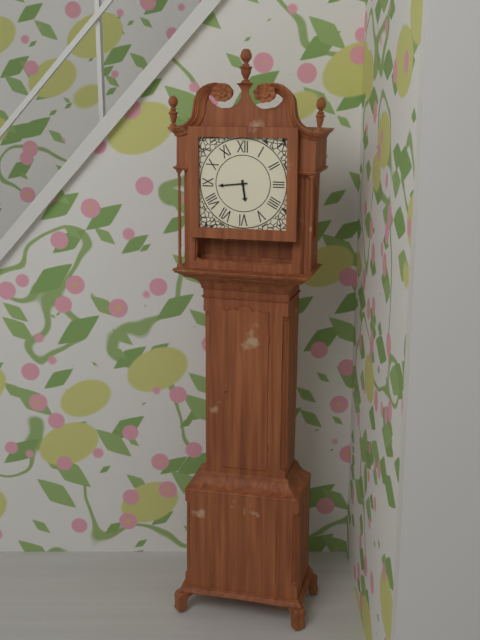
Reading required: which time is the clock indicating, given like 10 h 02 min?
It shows 5 h 44 min
